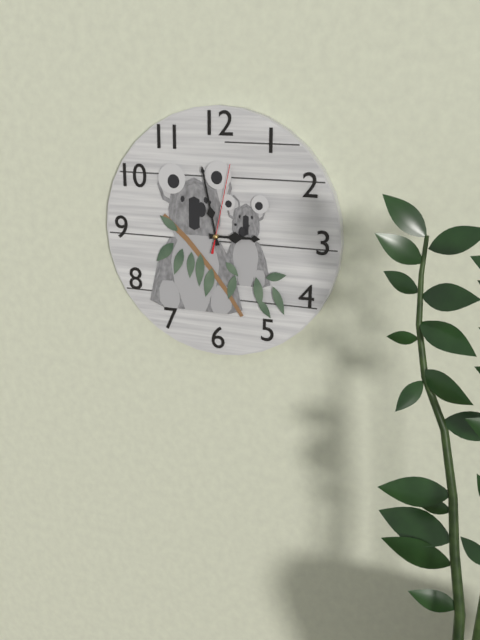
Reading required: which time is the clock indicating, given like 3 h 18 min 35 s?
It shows 2 h 58 min 02 s
